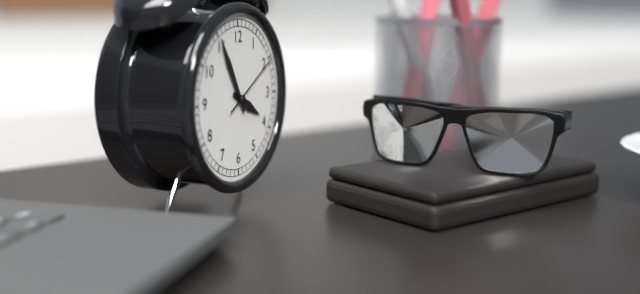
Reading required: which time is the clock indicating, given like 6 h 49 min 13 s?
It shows 3 h 55 min 10 s
